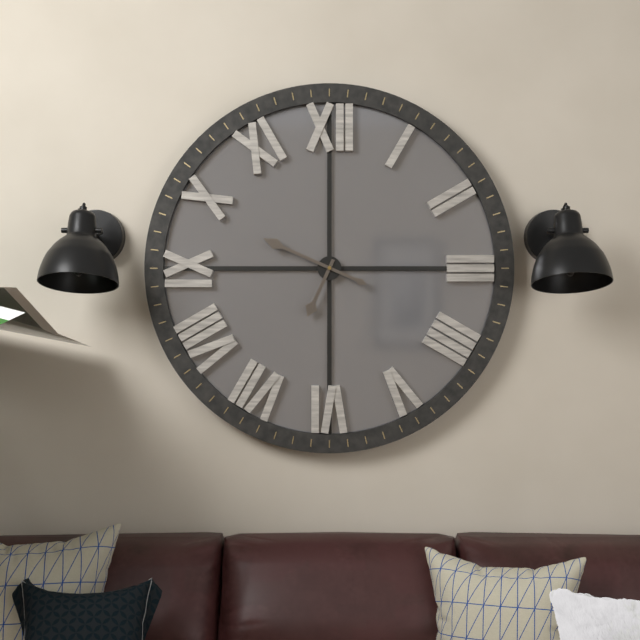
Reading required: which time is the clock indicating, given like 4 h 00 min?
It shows 6 h 49 min
